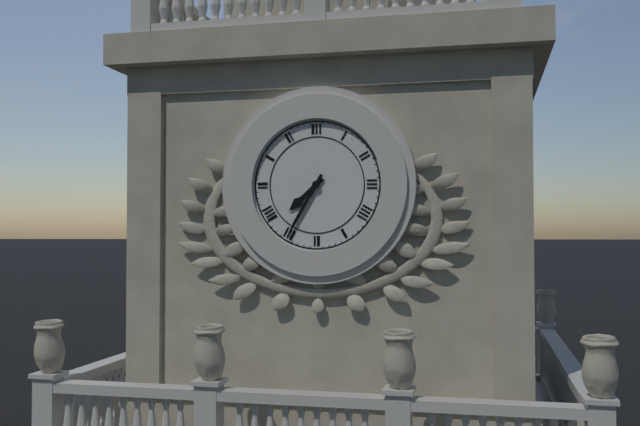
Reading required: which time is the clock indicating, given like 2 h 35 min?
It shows 7 h 35 min
